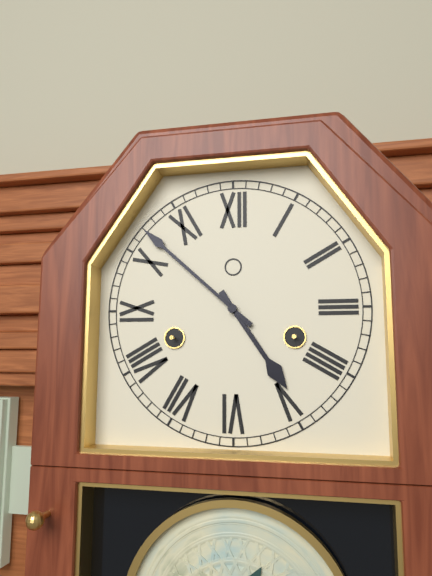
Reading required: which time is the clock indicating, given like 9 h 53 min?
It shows 4 h 52 min
